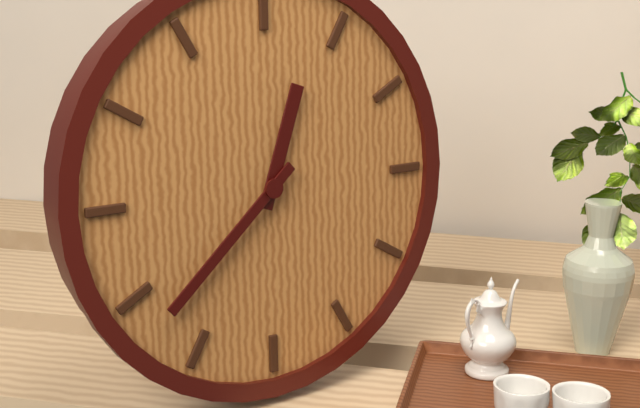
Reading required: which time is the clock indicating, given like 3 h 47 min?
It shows 12 h 38 min
